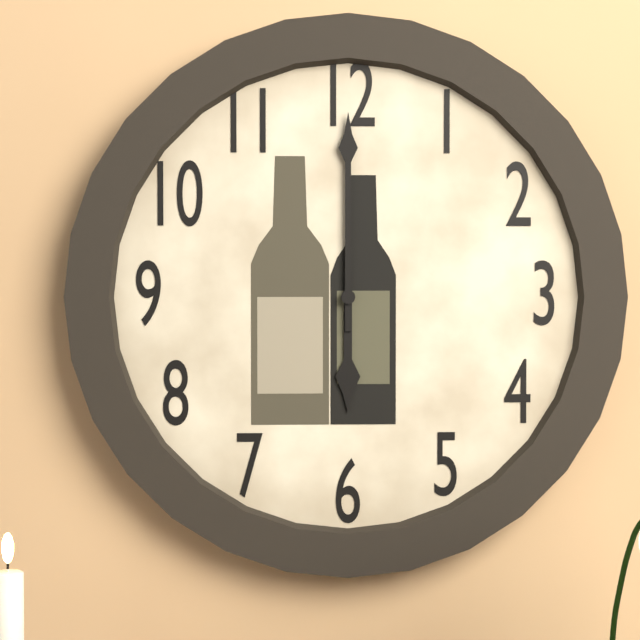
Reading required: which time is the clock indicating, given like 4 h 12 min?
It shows 6 h 00 min
